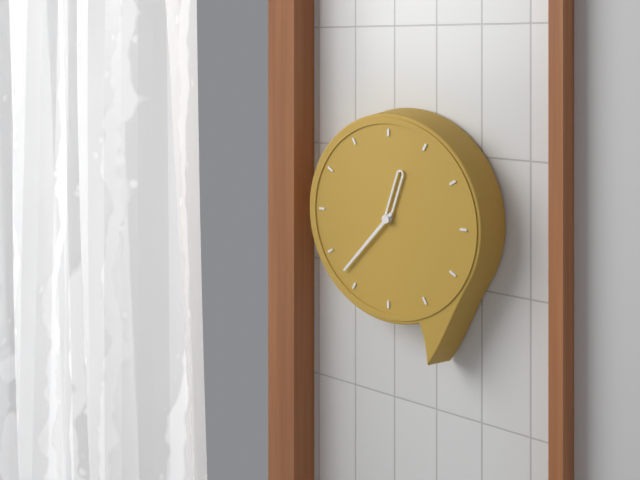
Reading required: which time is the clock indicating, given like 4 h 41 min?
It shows 12 h 37 min
